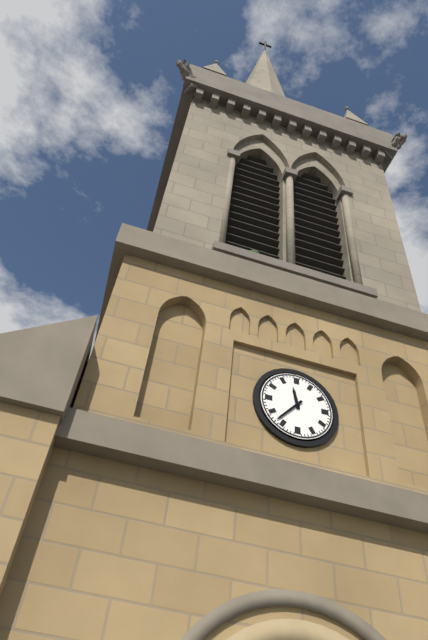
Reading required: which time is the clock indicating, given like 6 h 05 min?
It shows 11 h 37 min
